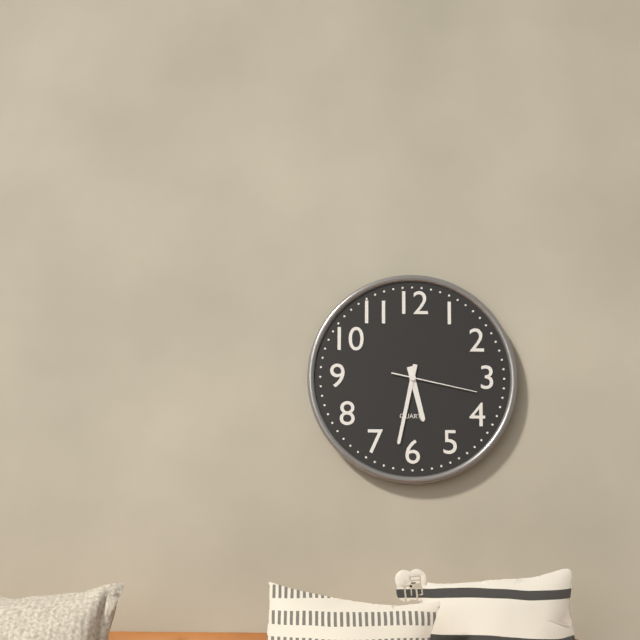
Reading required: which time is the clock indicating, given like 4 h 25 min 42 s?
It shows 5 h 32 min 17 s
